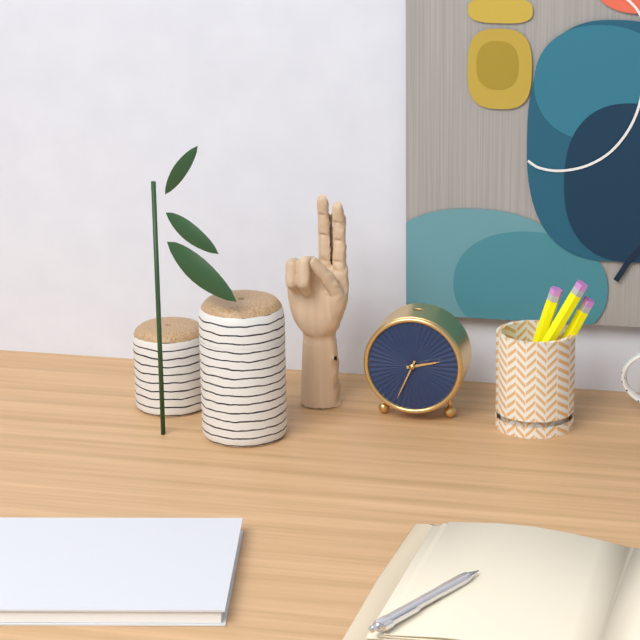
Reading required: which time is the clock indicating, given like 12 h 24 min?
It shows 2 h 34 min
